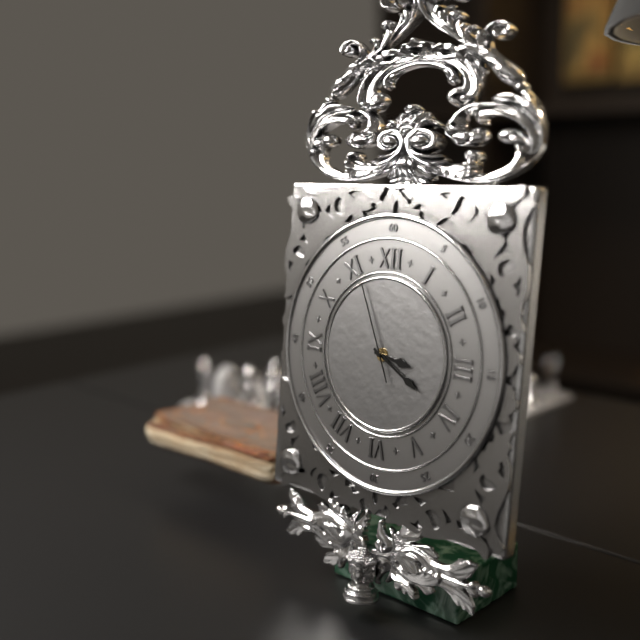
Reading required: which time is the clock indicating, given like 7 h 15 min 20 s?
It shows 3 h 20 min 56 s
